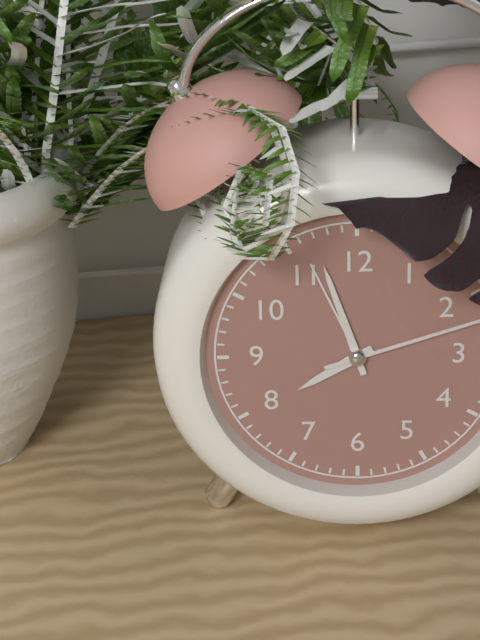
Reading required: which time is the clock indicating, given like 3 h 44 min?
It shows 7 h 57 min
